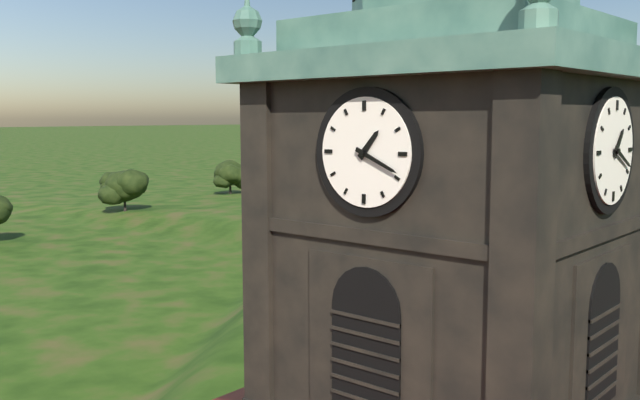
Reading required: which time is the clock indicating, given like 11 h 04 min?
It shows 1 h 19 min
